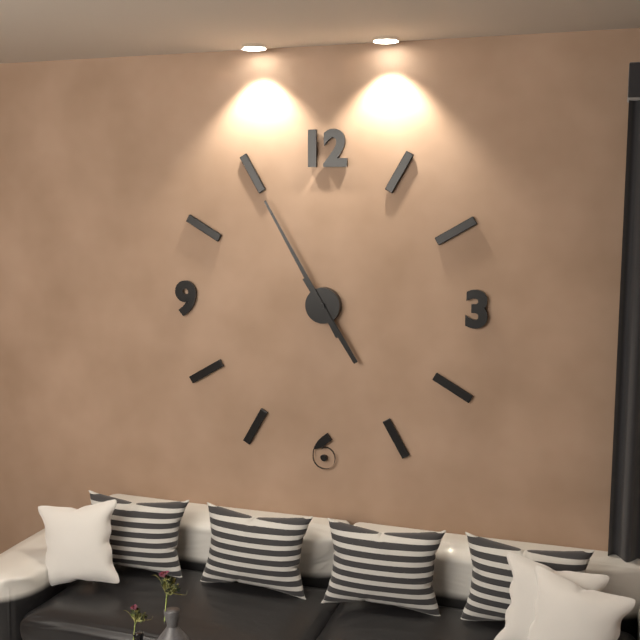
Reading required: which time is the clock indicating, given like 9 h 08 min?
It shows 4 h 55 min
